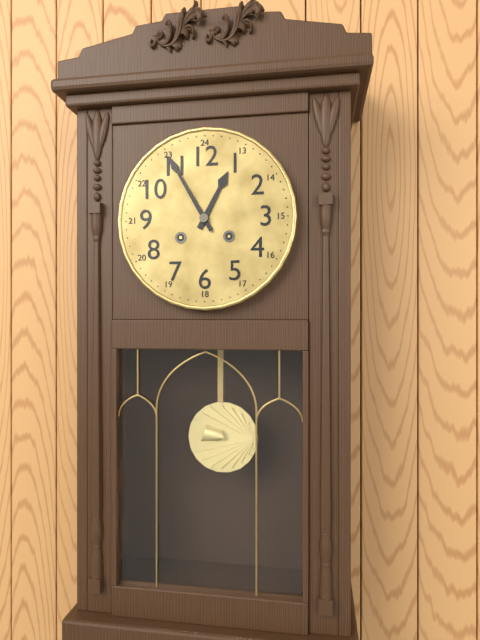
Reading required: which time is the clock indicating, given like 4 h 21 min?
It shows 12 h 55 min
